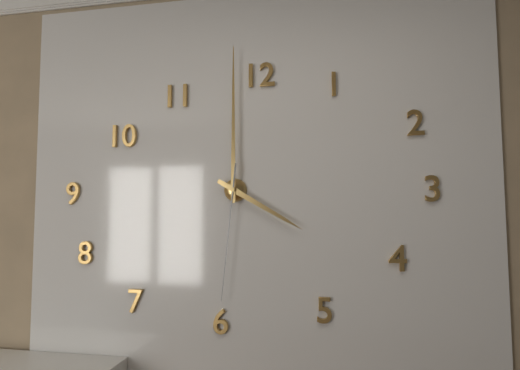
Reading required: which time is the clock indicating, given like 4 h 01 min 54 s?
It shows 4 h 00 min 31 s
